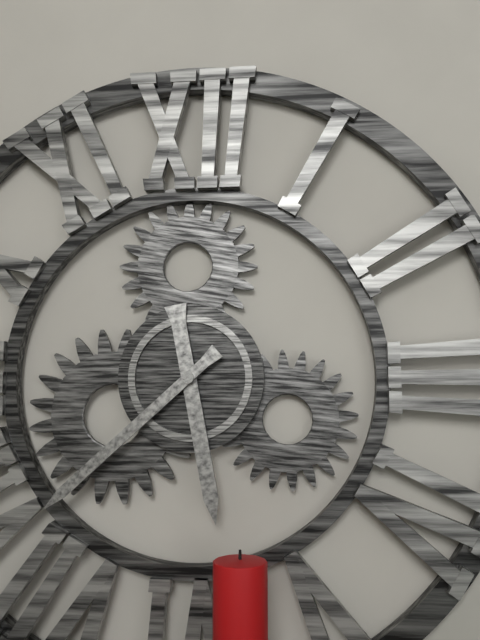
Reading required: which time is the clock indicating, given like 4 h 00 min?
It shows 5 h 38 min
